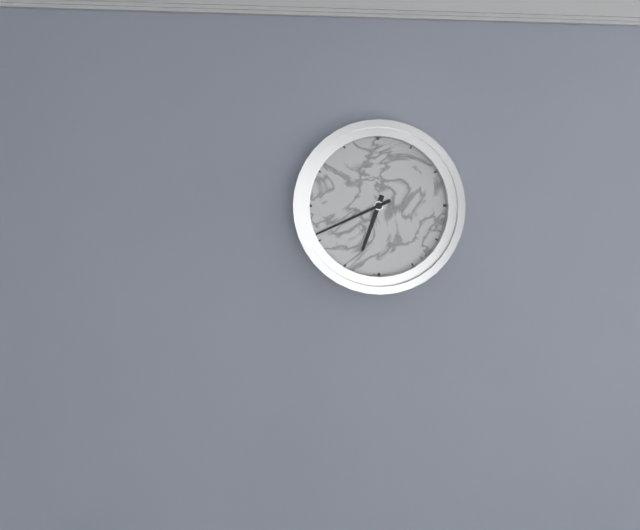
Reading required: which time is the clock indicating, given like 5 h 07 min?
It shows 6 h 41 min
